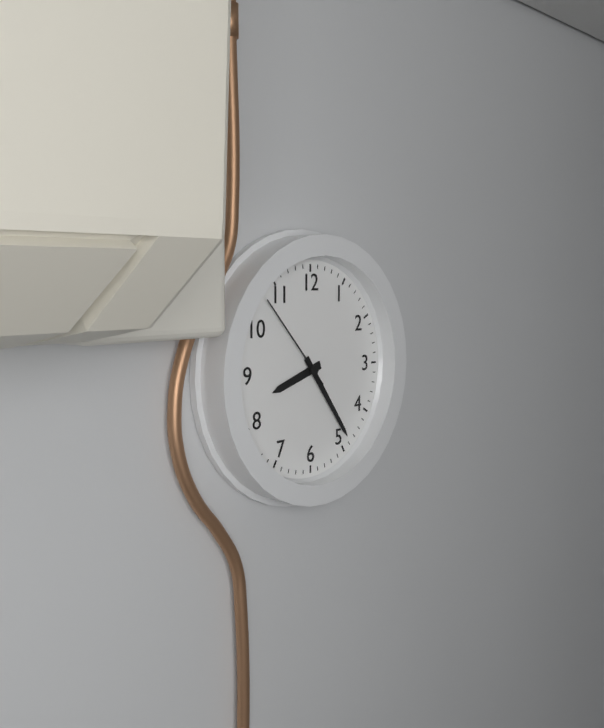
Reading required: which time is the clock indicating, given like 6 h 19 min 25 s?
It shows 8 h 24 min 53 s
